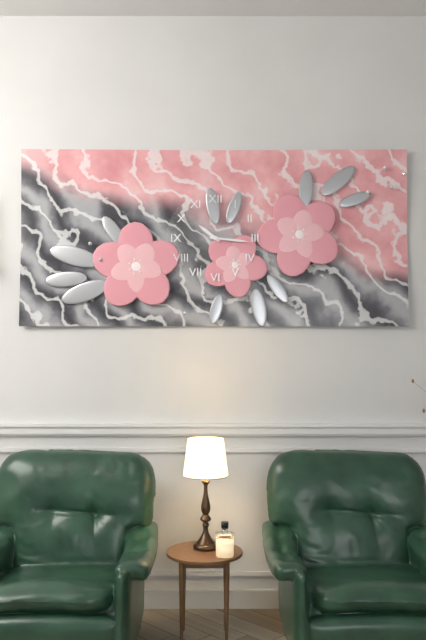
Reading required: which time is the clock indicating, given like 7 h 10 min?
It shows 10 h 16 min
